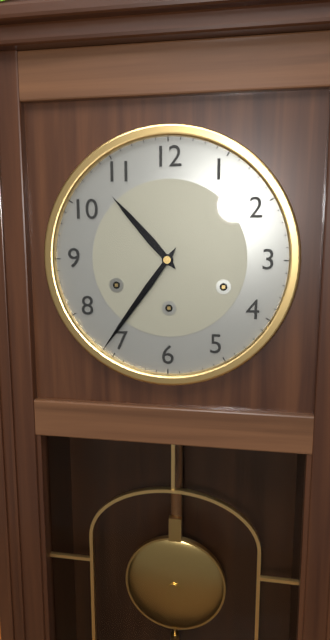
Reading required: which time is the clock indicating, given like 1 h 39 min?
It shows 10 h 36 min
